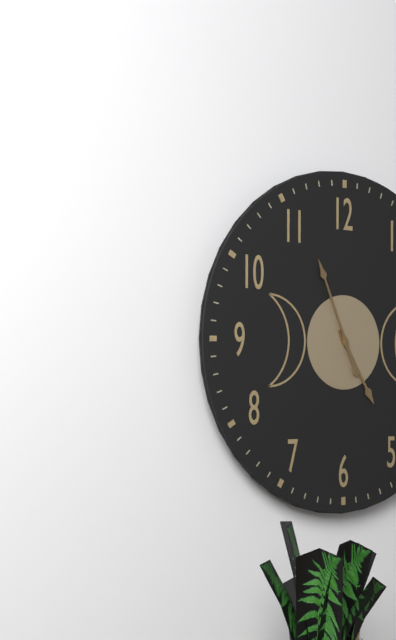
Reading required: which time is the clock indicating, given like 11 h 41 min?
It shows 4 h 56 min
